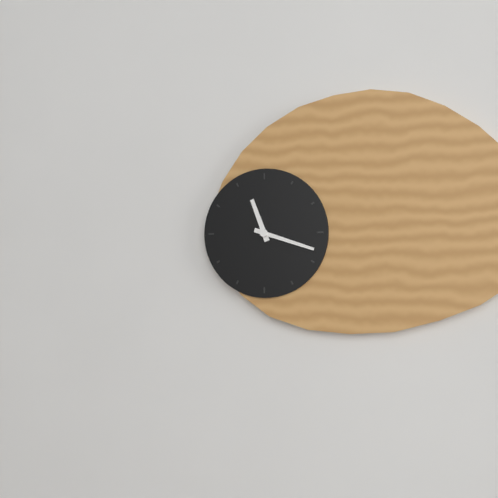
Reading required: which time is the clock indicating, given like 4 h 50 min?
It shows 11 h 18 min
